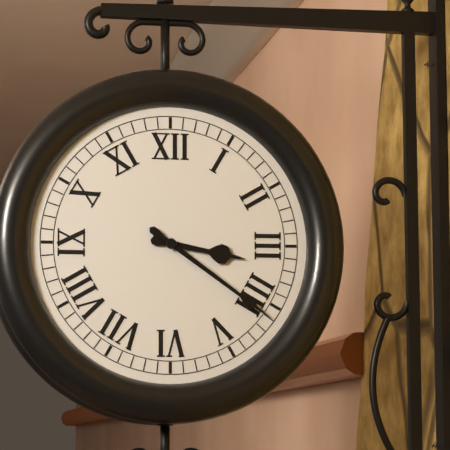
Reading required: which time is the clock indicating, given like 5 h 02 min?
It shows 3 h 21 min
